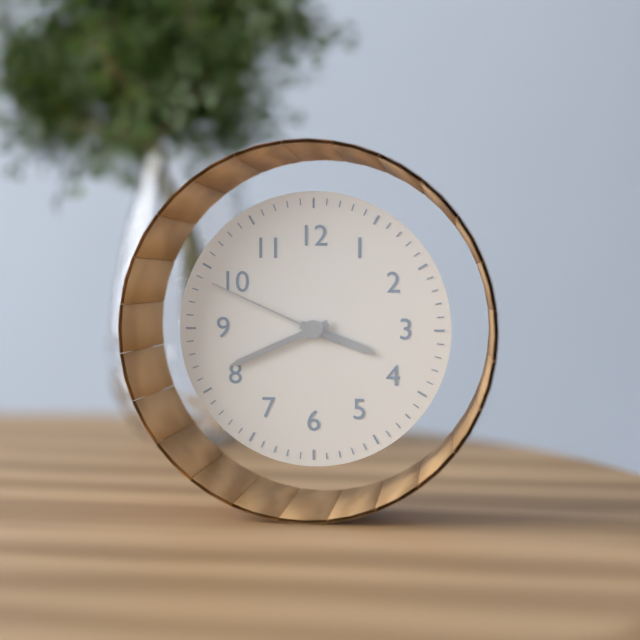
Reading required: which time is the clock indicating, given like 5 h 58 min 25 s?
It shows 3 h 41 min 49 s
